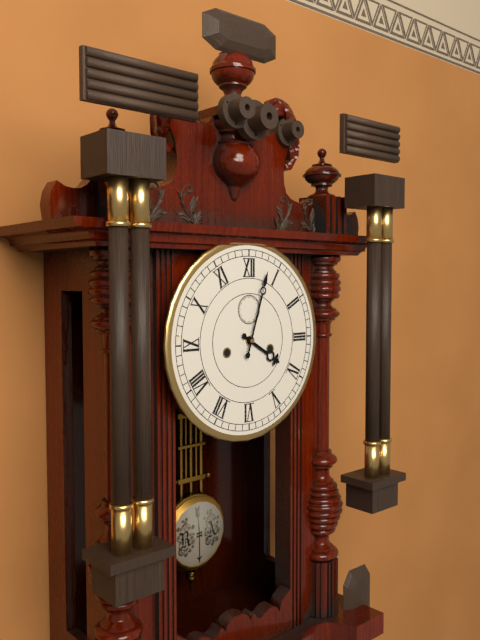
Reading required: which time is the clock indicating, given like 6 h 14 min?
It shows 4 h 03 min
